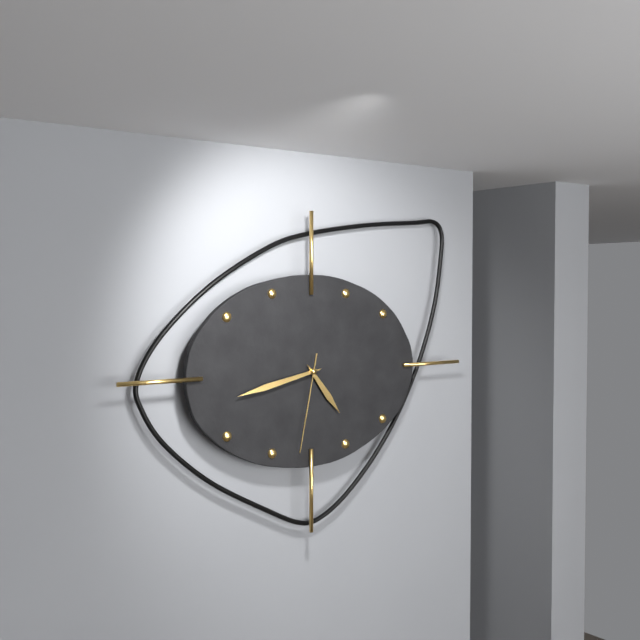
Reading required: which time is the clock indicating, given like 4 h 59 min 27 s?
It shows 4 h 43 min 32 s
